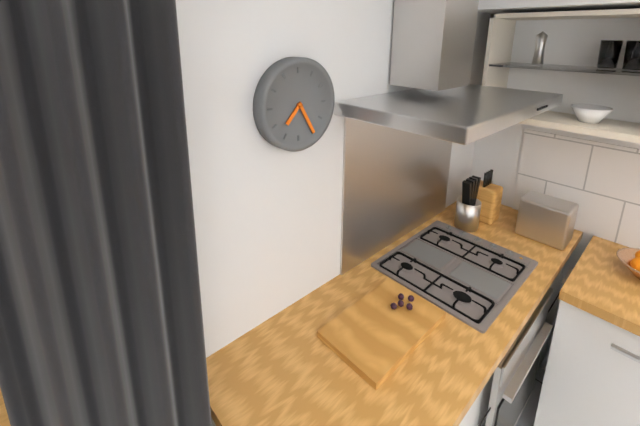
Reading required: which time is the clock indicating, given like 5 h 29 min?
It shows 7 h 25 min
